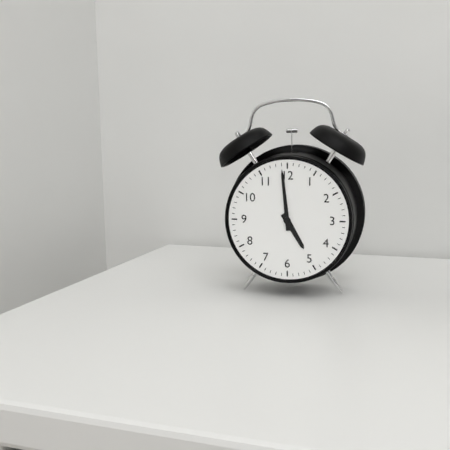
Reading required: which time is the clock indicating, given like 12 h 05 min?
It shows 4 h 59 min
